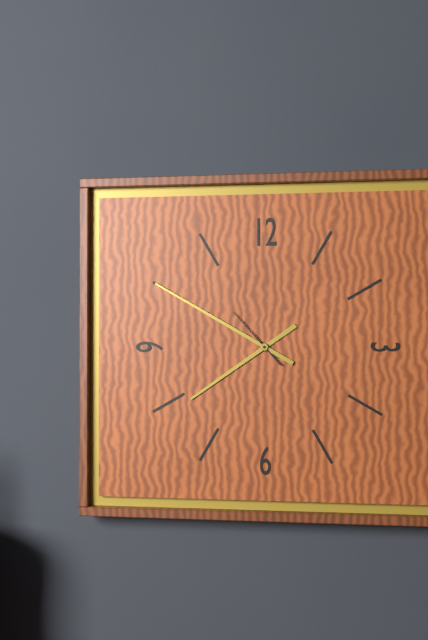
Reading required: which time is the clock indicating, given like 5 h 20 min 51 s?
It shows 7 h 50 min 53 s
